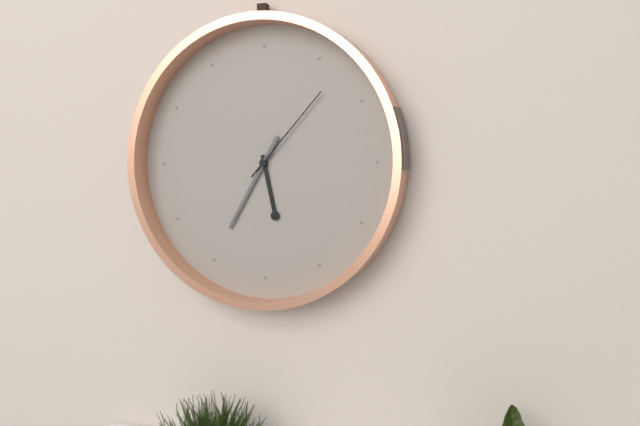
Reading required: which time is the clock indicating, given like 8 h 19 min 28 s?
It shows 5 h 35 min 07 s
